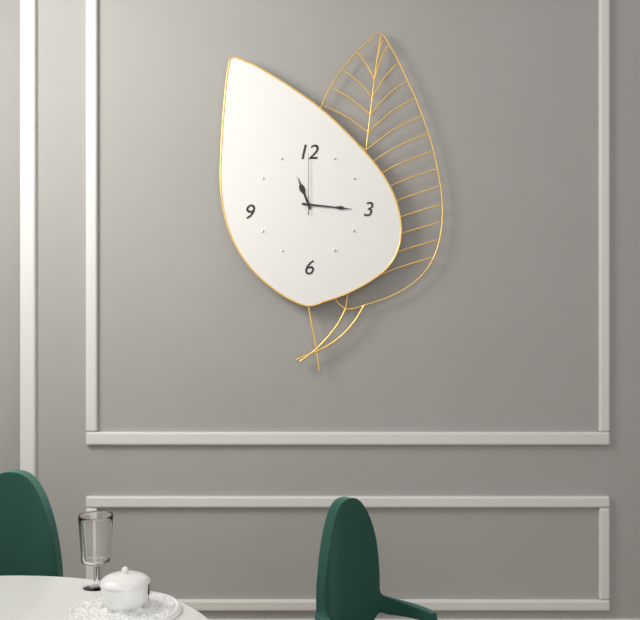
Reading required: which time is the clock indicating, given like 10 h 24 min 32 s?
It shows 11 h 16 min 00 s
